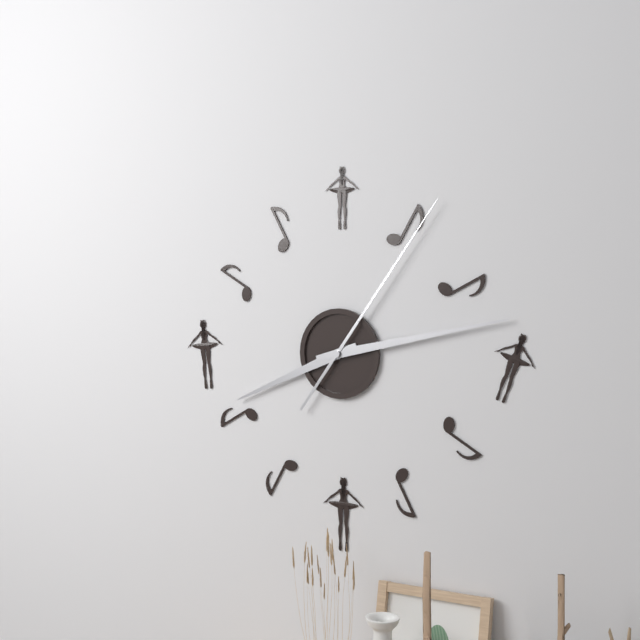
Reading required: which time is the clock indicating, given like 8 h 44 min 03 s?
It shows 8 h 13 min 06 s
